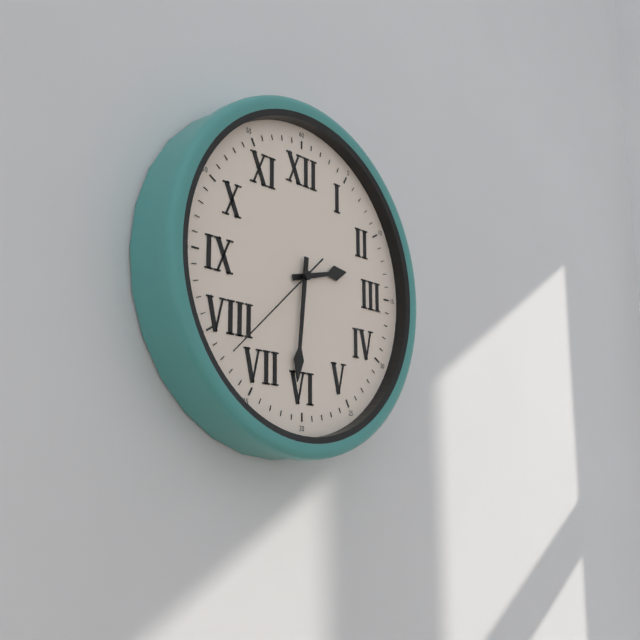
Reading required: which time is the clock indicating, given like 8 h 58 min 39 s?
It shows 2 h 31 min 38 s
